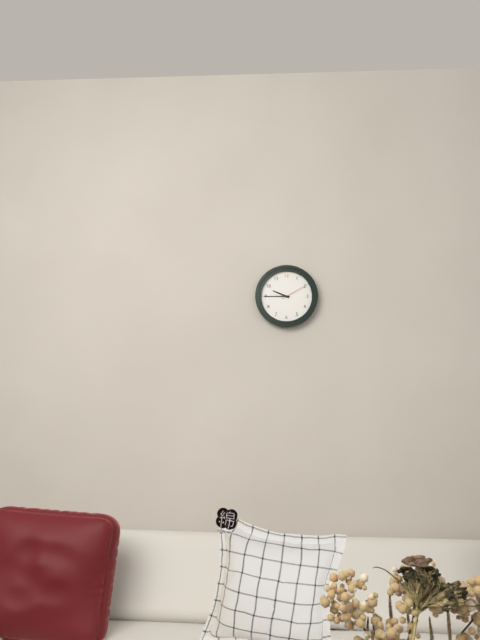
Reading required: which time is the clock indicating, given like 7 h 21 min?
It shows 9 h 45 min
